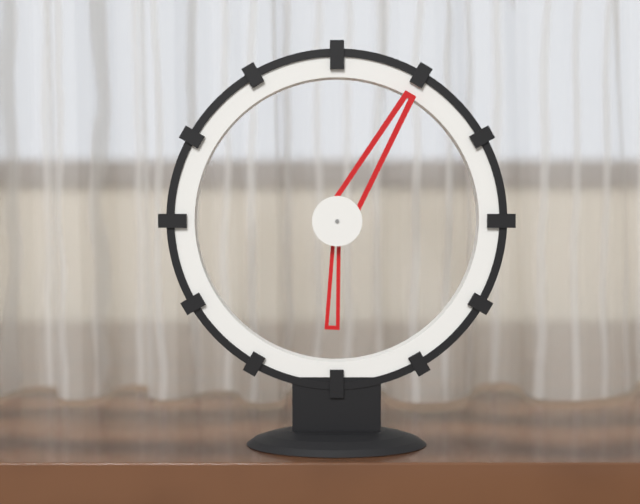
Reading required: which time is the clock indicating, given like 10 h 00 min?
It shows 6 h 05 min
